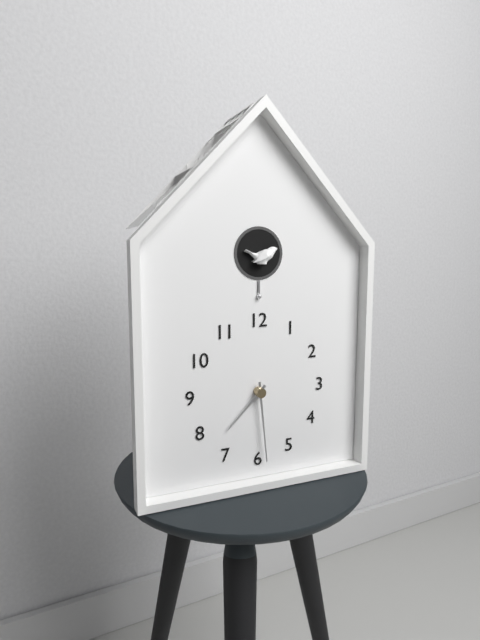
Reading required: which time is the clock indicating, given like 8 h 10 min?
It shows 7 h 29 min
